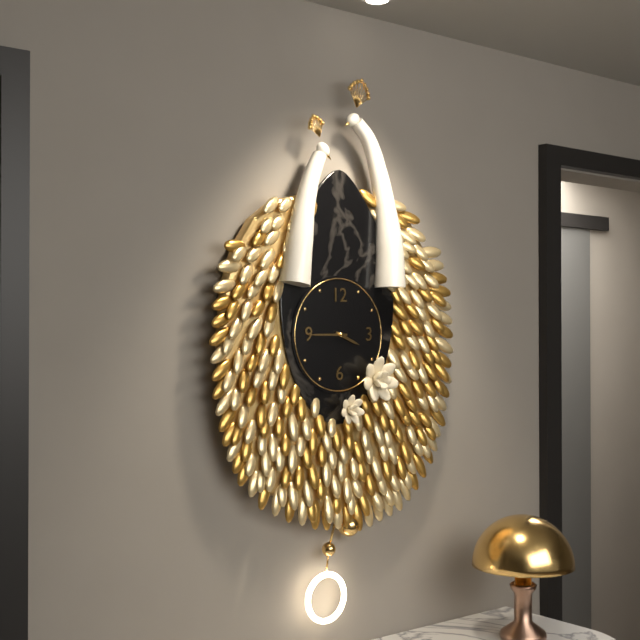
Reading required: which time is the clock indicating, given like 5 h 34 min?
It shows 3 h 45 min
